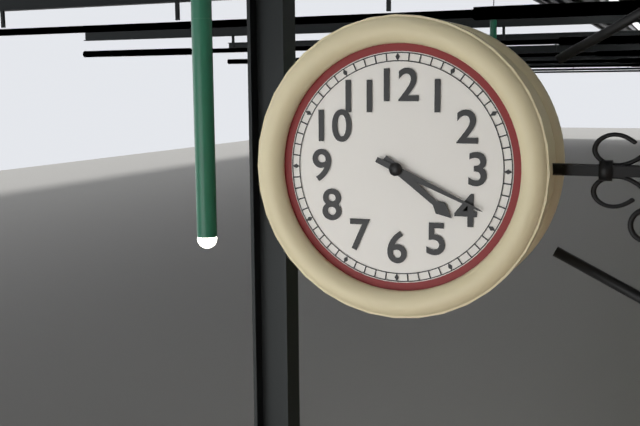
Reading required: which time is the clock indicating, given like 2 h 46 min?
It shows 4 h 19 min
